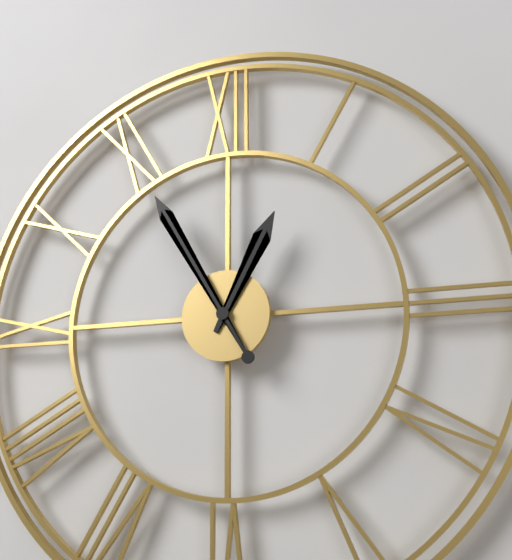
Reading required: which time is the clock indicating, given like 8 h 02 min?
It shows 12 h 55 min
